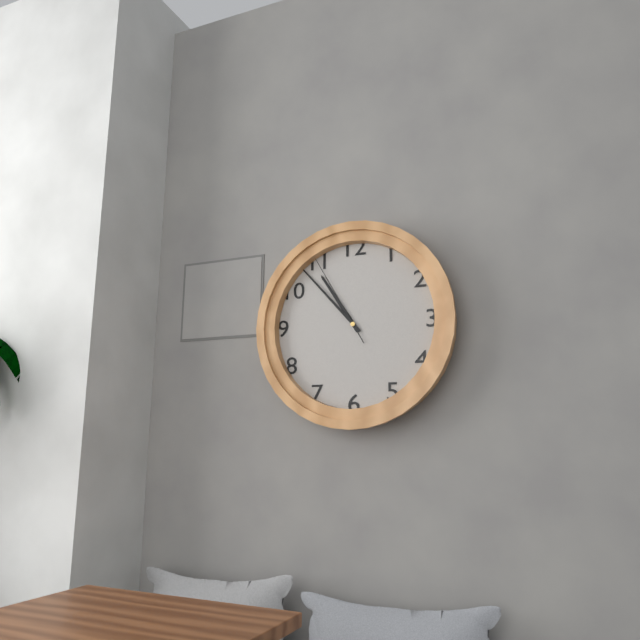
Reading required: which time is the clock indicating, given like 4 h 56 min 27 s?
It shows 10 h 53 min 55 s
